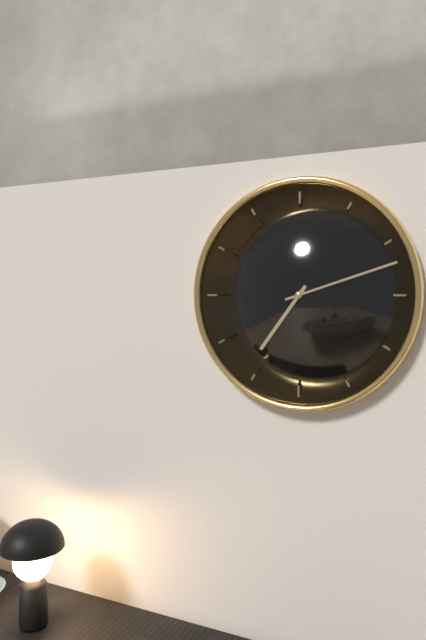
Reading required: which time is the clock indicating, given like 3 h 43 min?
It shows 7 h 12 min
